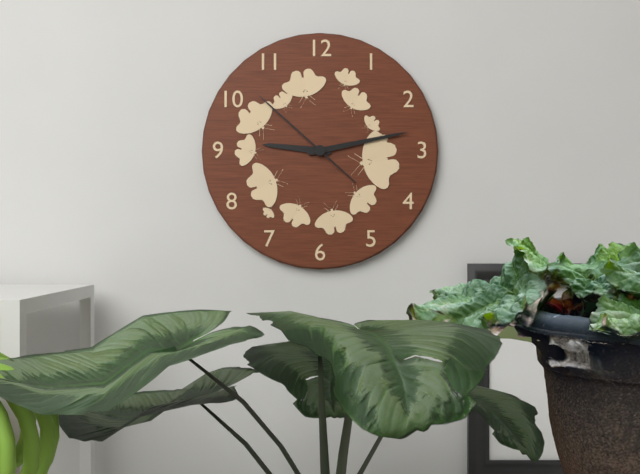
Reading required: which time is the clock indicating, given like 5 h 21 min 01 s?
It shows 9 h 13 min 52 s
